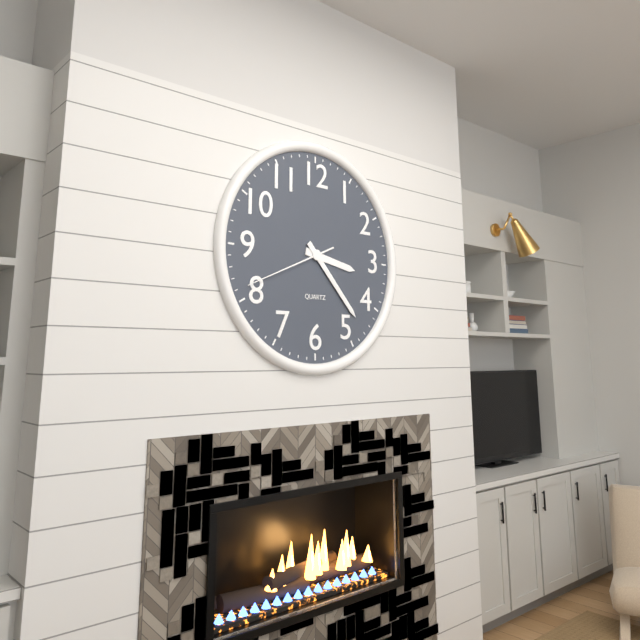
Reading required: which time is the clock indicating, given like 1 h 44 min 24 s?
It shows 3 h 23 min 41 s
